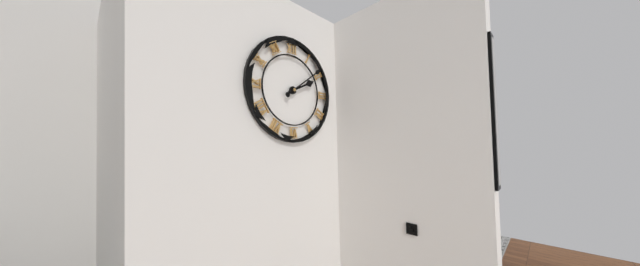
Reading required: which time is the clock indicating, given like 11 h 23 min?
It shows 2 h 09 min
